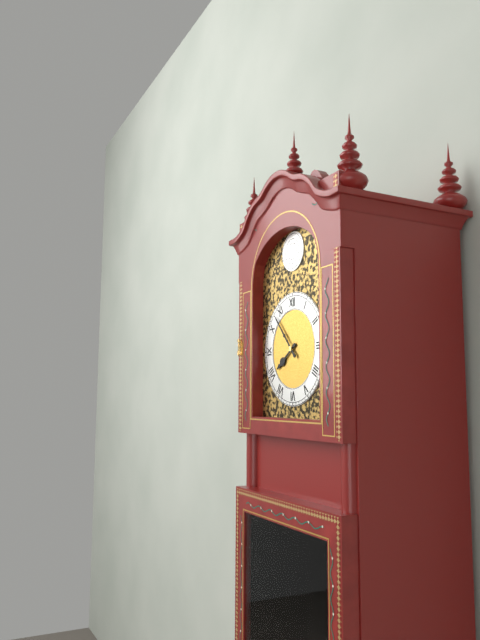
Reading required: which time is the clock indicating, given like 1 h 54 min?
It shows 7 h 53 min
